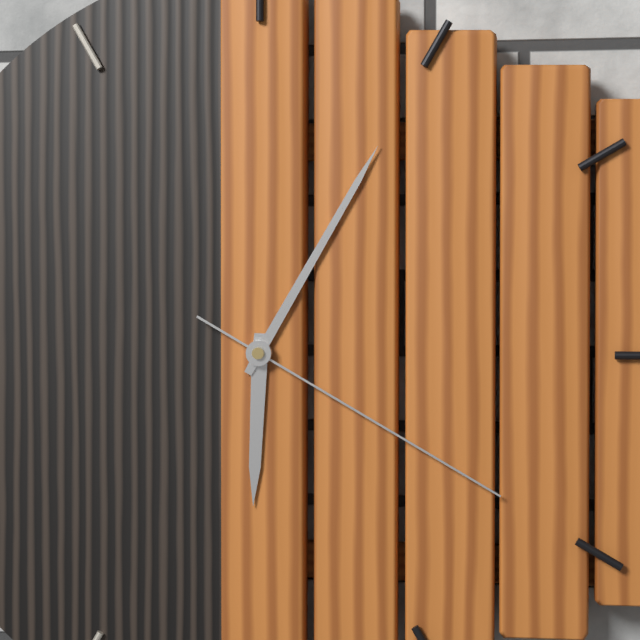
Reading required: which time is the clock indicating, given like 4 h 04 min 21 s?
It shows 6 h 05 min 20 s
